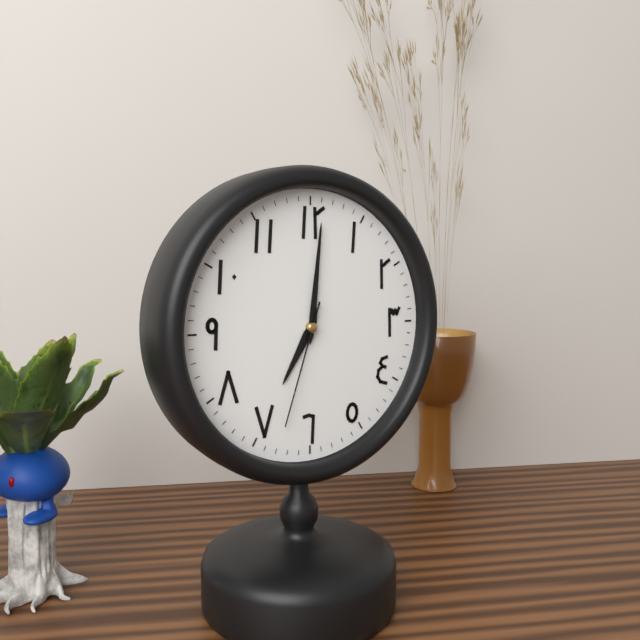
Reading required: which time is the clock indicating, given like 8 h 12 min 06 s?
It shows 7 h 01 min 33 s
